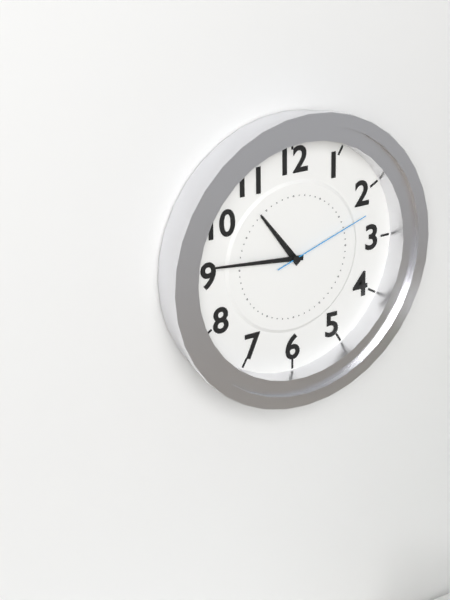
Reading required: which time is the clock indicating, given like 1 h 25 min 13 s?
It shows 10 h 46 min 12 s
